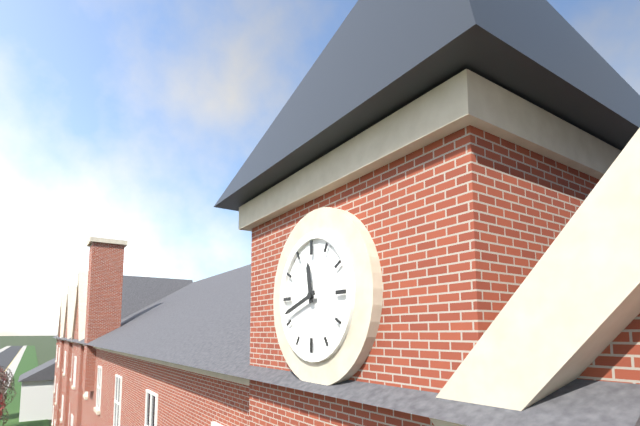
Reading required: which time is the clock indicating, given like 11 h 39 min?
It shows 11 h 42 min
